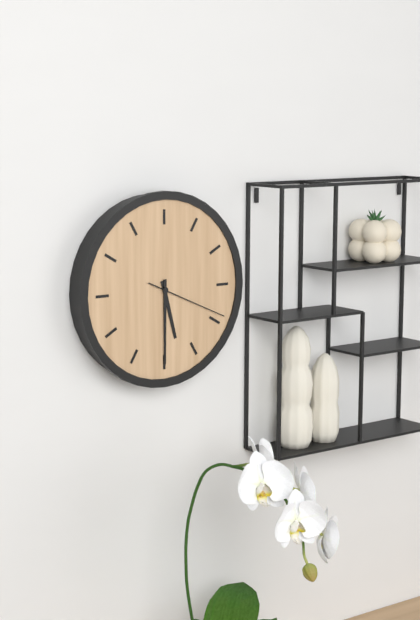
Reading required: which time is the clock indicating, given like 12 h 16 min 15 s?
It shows 5 h 30 min 19 s
